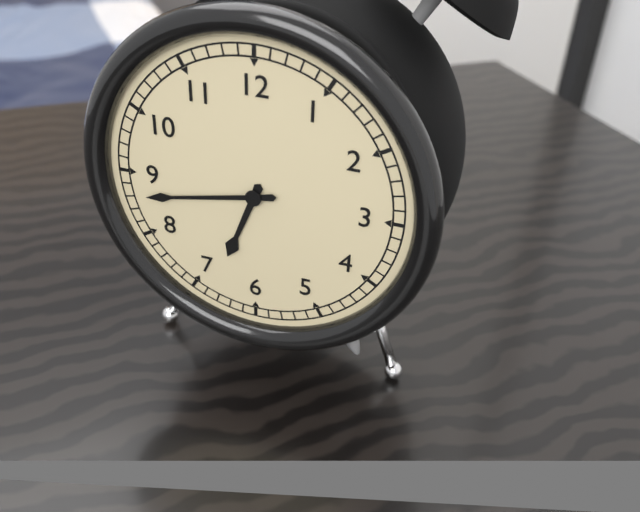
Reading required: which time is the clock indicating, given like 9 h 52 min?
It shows 6 h 43 min
